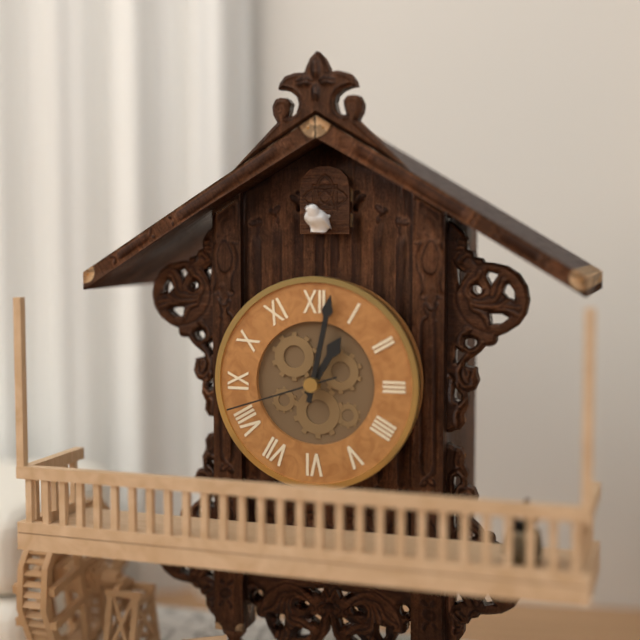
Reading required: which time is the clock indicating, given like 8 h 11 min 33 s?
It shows 1 h 02 min 42 s
